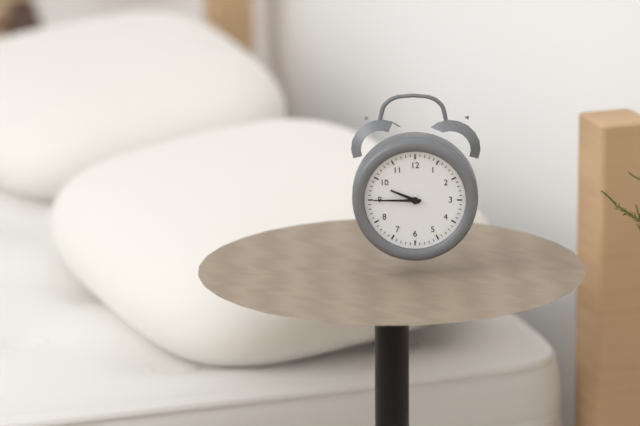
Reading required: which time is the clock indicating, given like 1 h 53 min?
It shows 9 h 45 min
